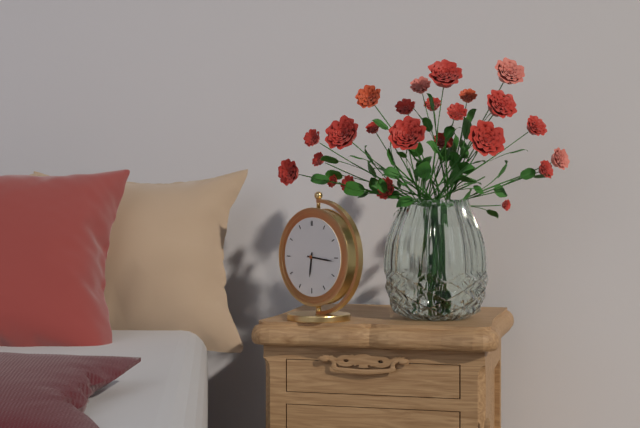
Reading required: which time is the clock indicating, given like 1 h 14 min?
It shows 6 h 16 min
